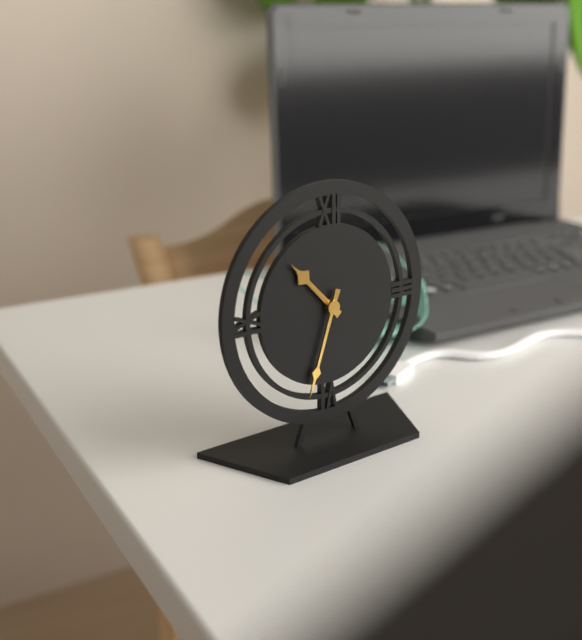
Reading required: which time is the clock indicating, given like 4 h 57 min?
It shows 10 h 33 min
